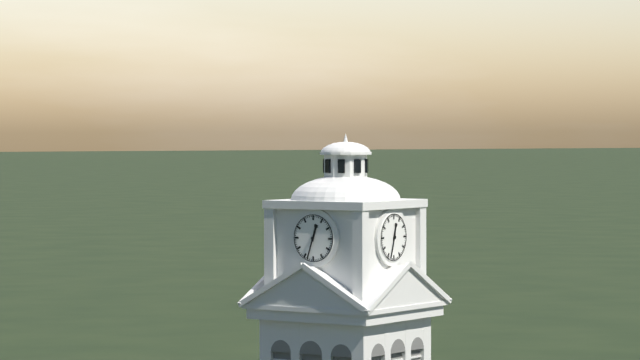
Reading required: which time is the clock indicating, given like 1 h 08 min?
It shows 12 h 33 min
